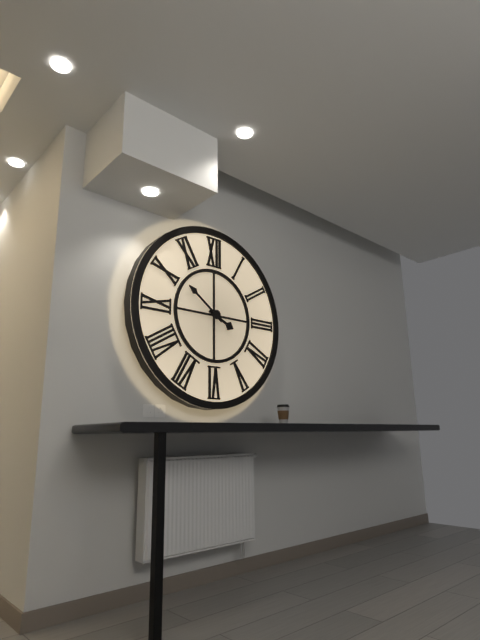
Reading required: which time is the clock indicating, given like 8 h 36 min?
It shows 3 h 51 min
